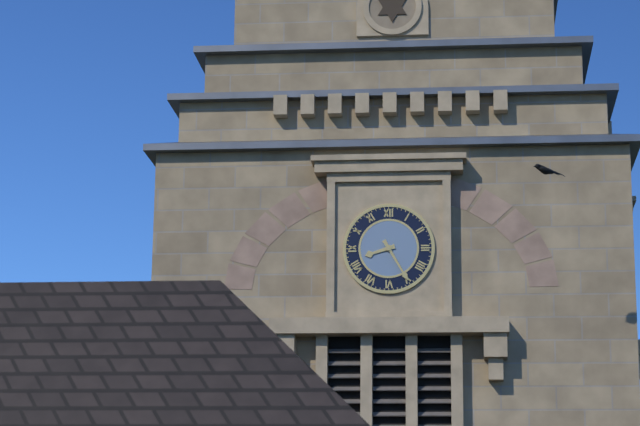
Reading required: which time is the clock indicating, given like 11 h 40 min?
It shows 8 h 25 min
